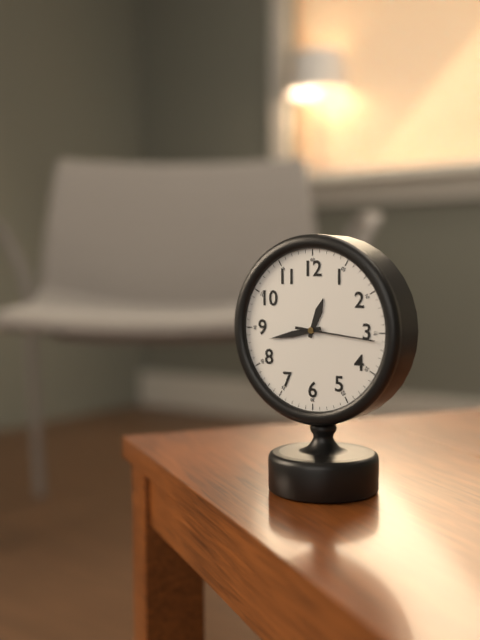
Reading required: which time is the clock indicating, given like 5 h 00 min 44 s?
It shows 12 h 43 min 16 s
